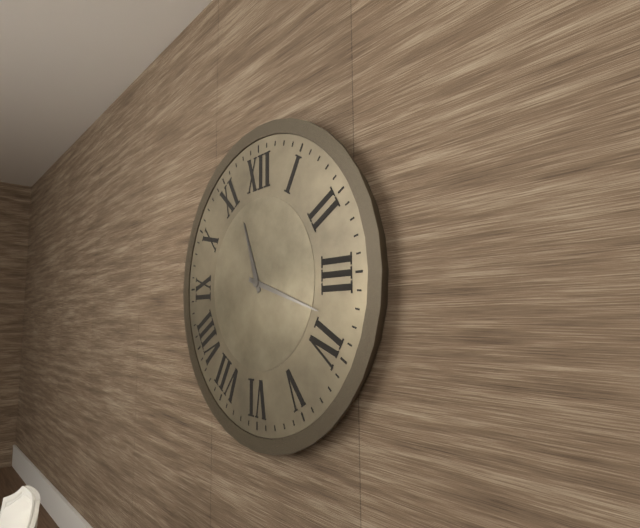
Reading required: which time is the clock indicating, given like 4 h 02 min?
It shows 11 h 18 min
